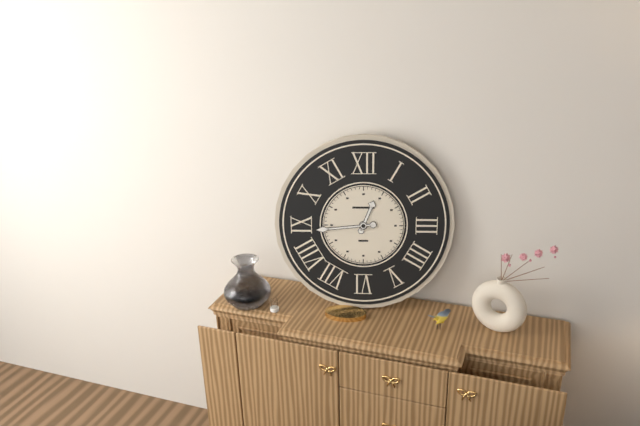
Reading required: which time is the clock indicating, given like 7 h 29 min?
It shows 12 h 44 min
